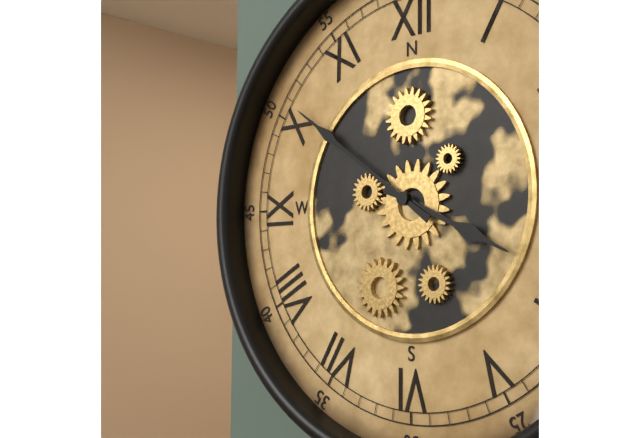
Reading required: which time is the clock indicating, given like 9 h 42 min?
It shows 3 h 51 min
